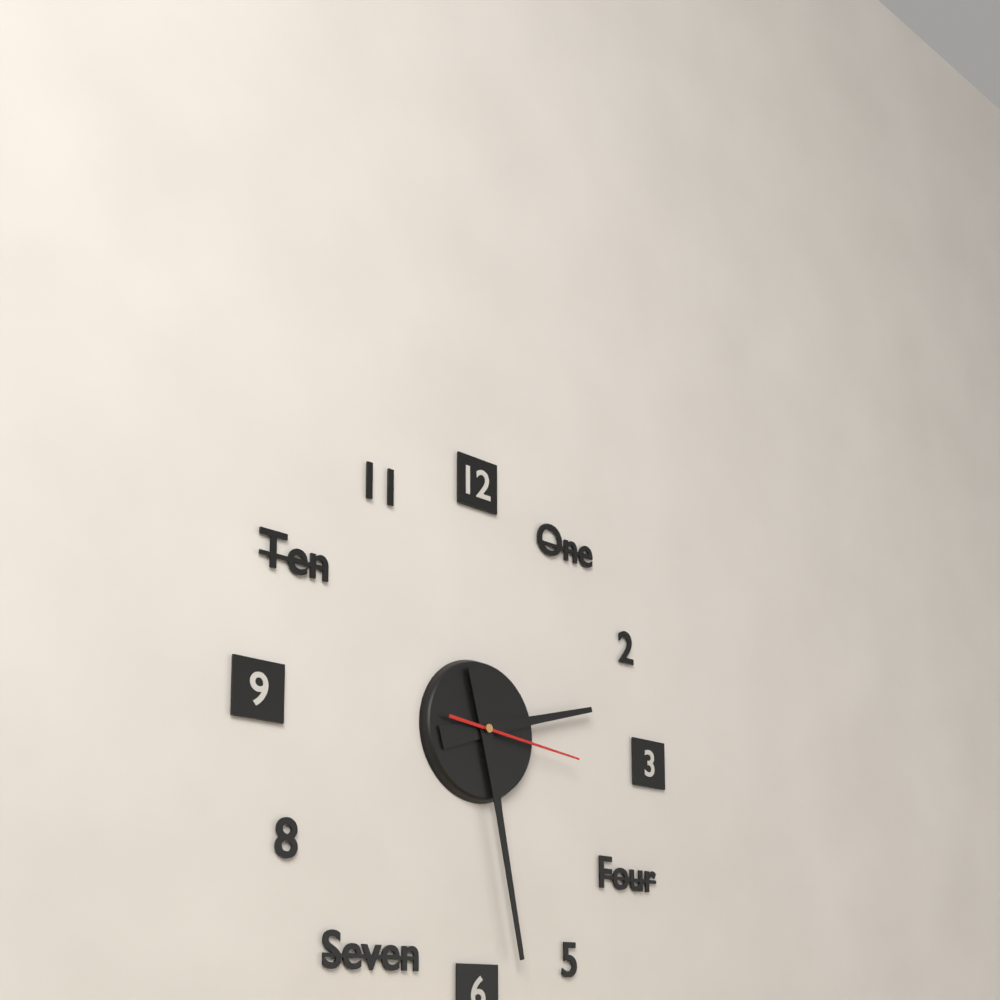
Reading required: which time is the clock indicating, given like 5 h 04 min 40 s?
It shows 2 h 28 min 16 s
